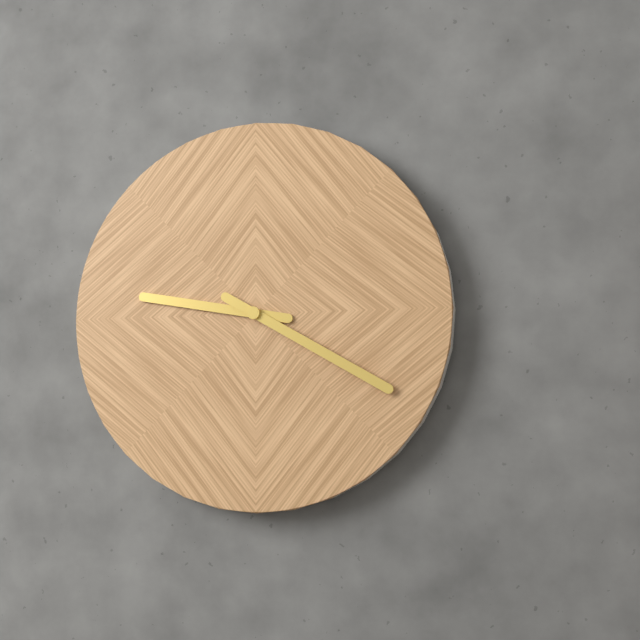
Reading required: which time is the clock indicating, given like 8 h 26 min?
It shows 9 h 20 min
